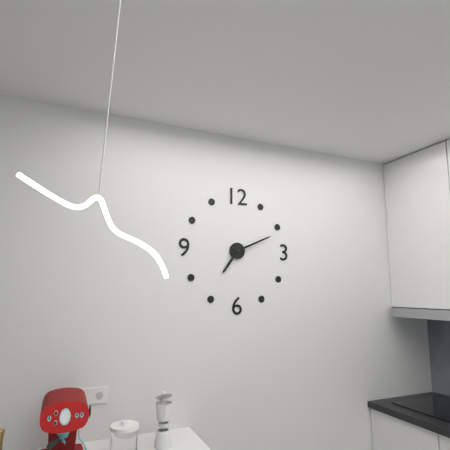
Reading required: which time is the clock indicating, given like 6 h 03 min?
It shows 7 h 11 min
